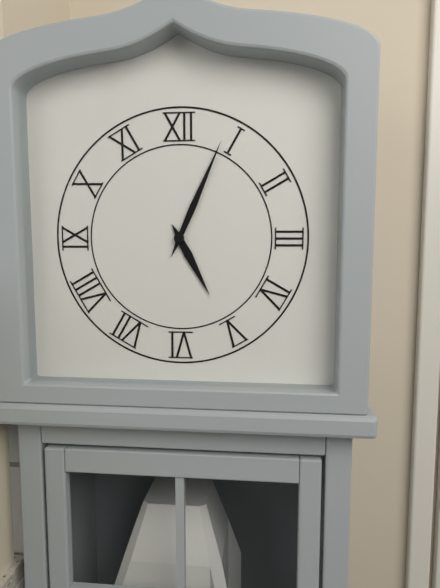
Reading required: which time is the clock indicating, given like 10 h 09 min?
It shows 5 h 04 min
